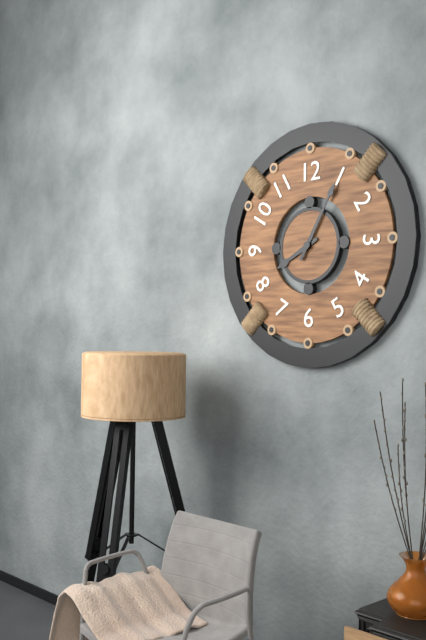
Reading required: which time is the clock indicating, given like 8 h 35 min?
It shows 8 h 05 min
